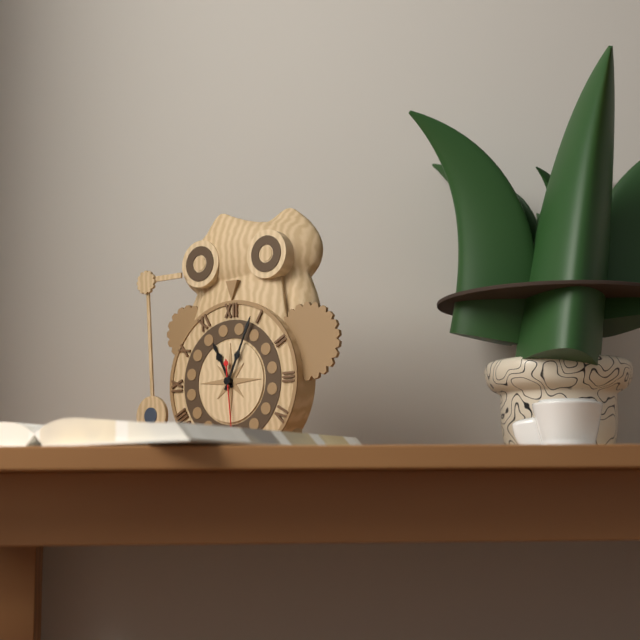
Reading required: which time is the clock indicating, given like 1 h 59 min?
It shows 11 h 04 min
